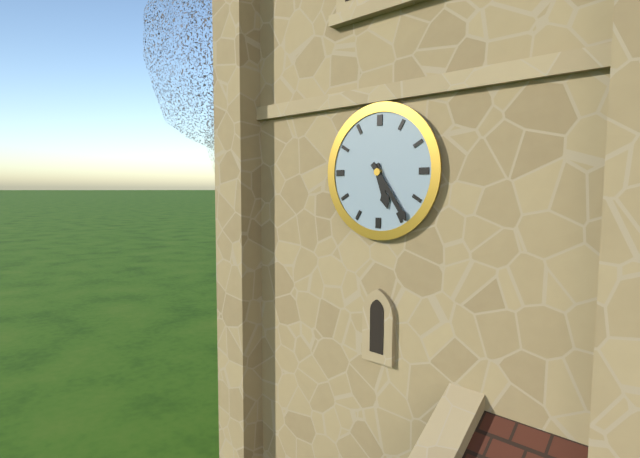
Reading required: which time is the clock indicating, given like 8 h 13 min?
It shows 5 h 24 min
